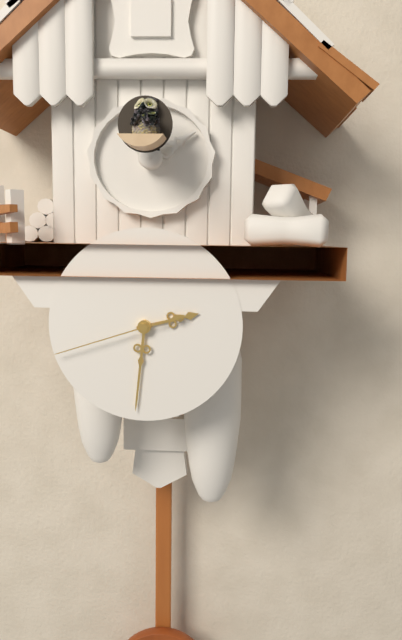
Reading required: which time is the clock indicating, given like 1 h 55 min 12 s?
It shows 2 h 31 min 42 s
